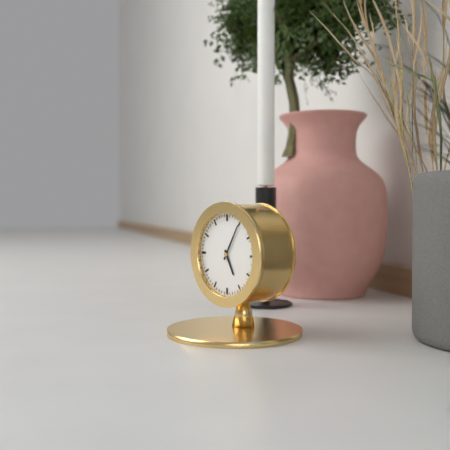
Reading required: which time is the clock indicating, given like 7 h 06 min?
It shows 5 h 05 min
